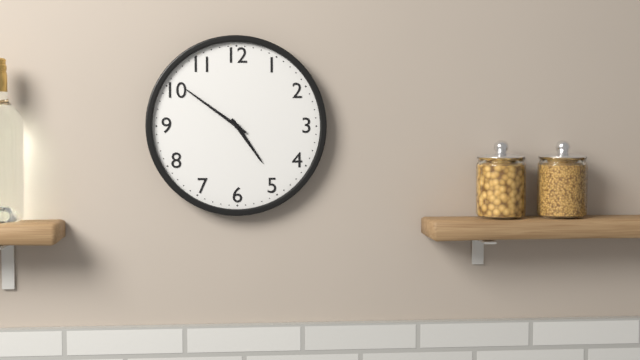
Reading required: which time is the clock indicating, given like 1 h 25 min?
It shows 4 h 51 min
